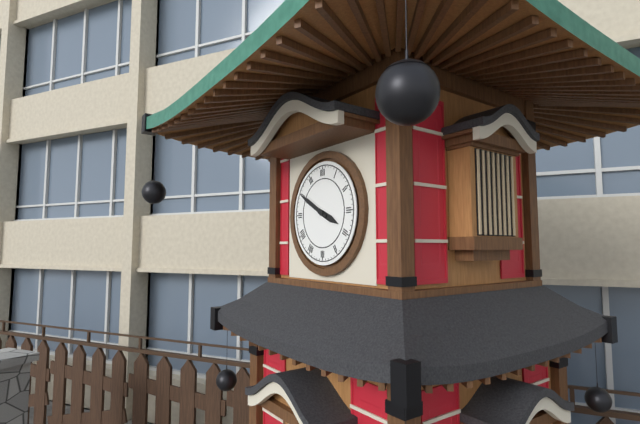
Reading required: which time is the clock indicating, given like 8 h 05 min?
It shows 3 h 50 min
